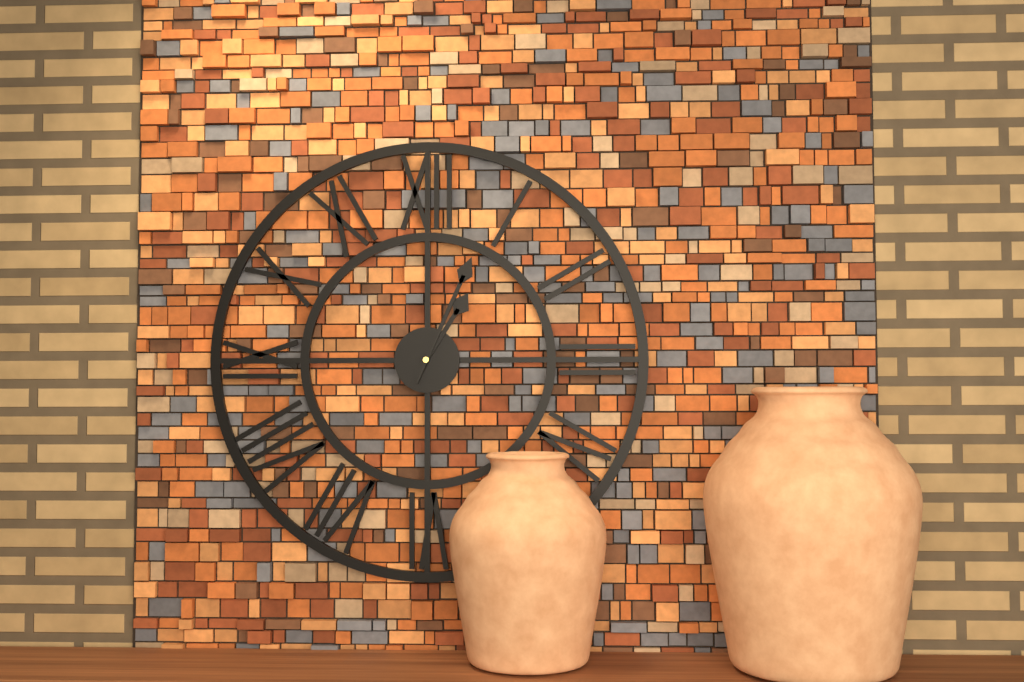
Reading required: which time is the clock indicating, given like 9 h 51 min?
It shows 1 h 04 min
